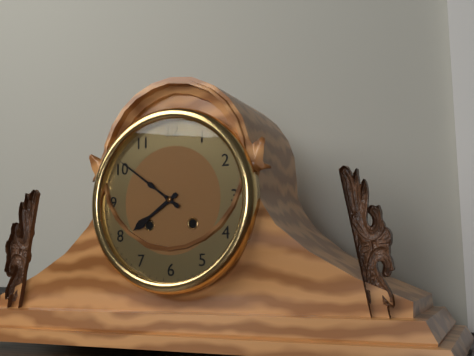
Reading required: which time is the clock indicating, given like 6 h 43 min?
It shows 7 h 51 min
